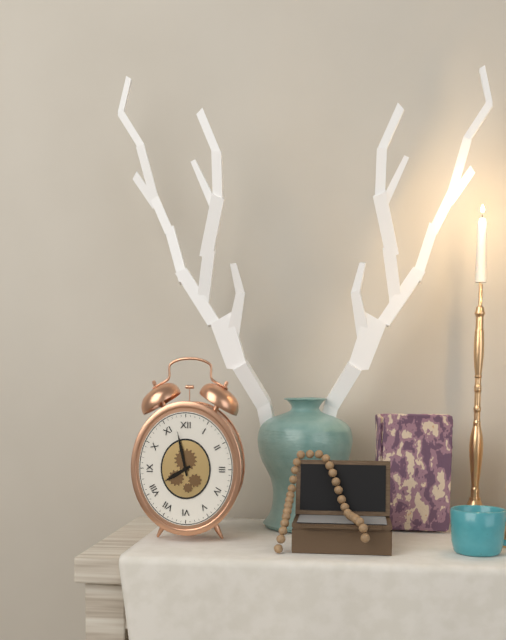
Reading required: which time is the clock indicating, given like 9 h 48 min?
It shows 7 h 58 min
